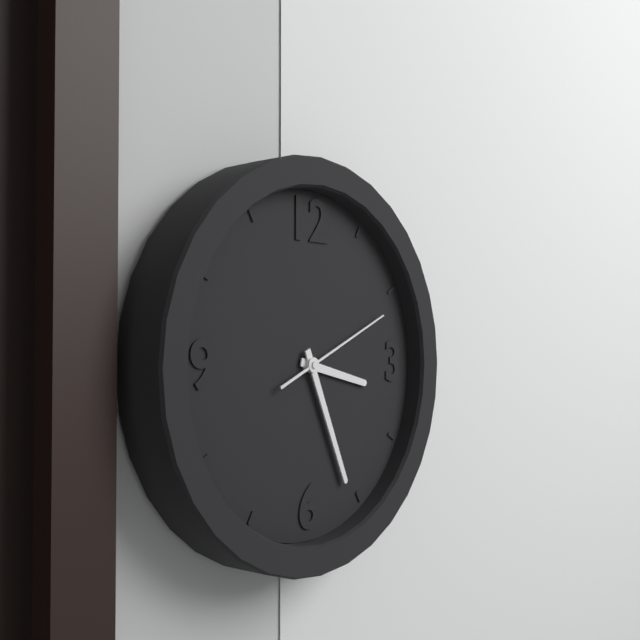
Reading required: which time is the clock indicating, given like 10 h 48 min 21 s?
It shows 3 h 26 min 11 s
